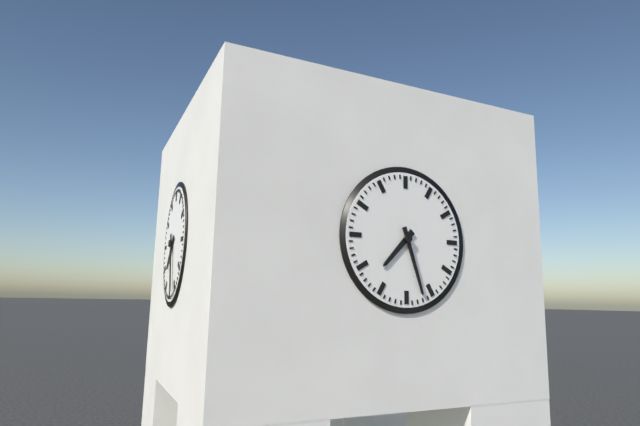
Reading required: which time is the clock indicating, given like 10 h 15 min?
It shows 7 h 27 min
